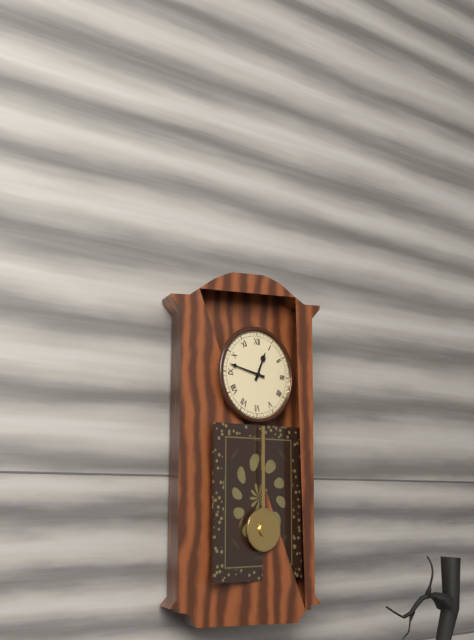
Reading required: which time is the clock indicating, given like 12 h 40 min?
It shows 12 h 47 min
